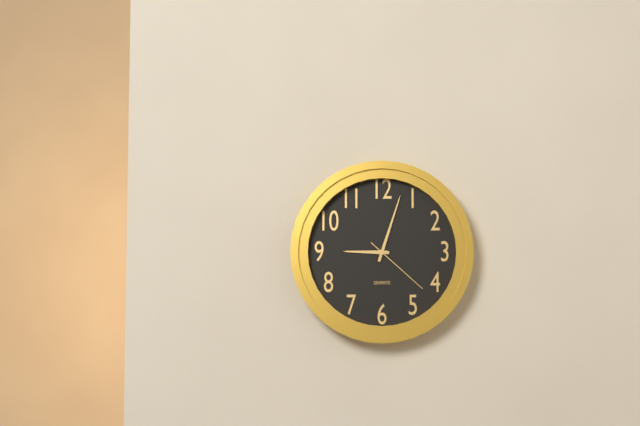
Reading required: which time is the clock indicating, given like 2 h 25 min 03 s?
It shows 9 h 03 min 22 s
